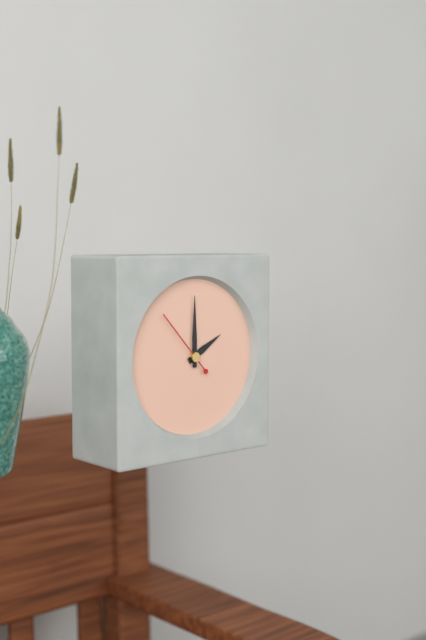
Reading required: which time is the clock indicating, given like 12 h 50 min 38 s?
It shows 2 h 00 min 53 s
